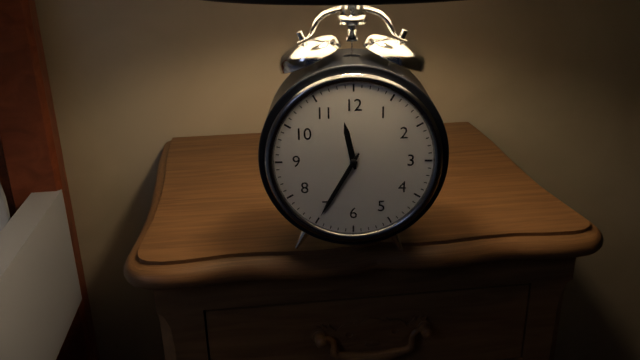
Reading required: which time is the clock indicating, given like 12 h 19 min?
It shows 11 h 35 min
